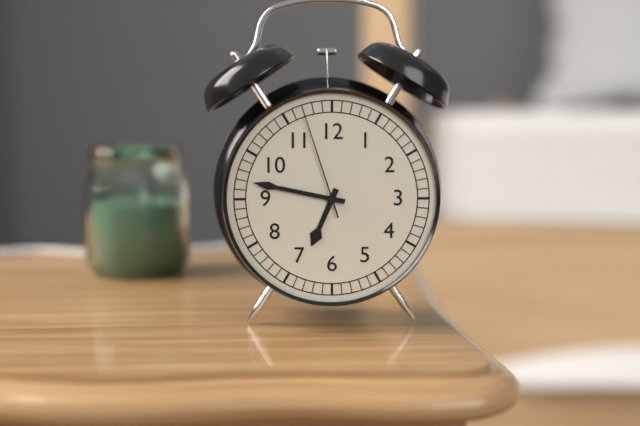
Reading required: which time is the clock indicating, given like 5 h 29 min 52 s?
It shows 6 h 47 min 57 s
